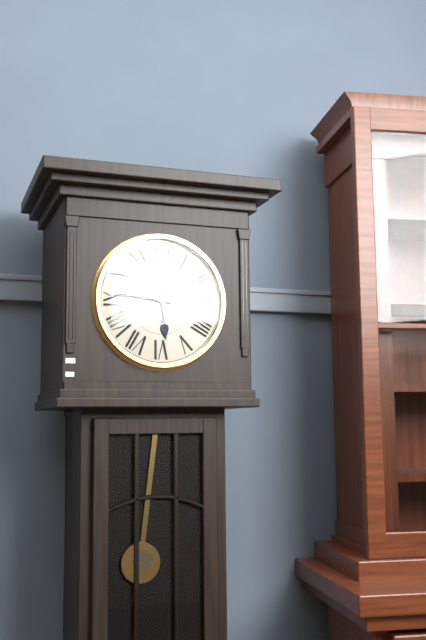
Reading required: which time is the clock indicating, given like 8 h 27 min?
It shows 5 h 46 min
